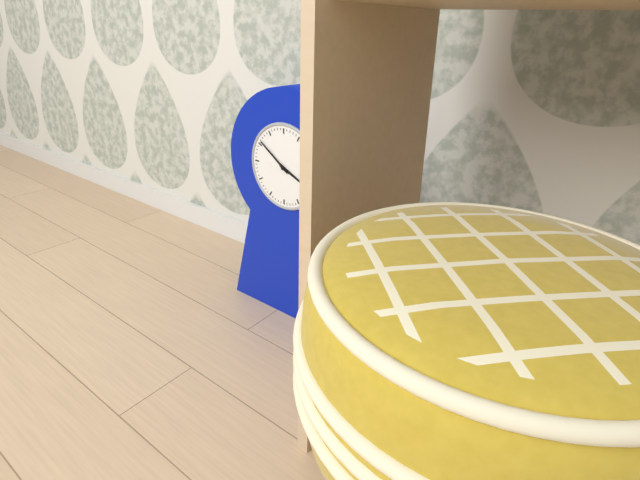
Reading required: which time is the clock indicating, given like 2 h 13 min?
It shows 3 h 51 min
